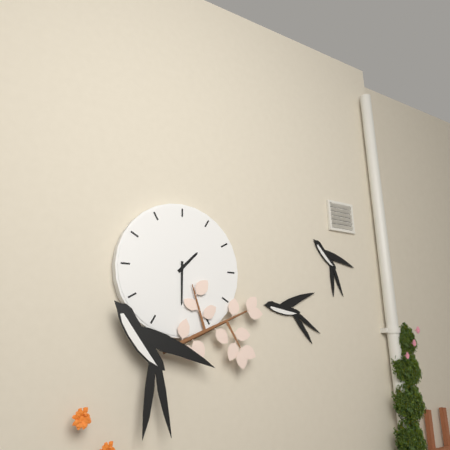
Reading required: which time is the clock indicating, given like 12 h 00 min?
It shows 1 h 30 min
